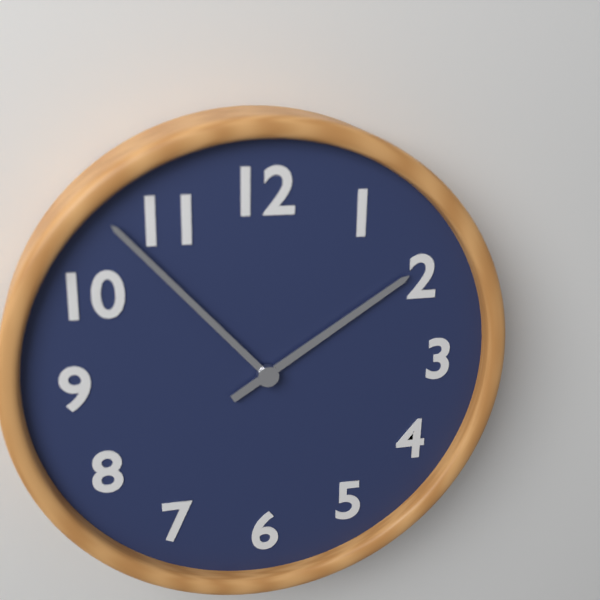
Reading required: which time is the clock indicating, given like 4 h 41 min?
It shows 1 h 53 min
